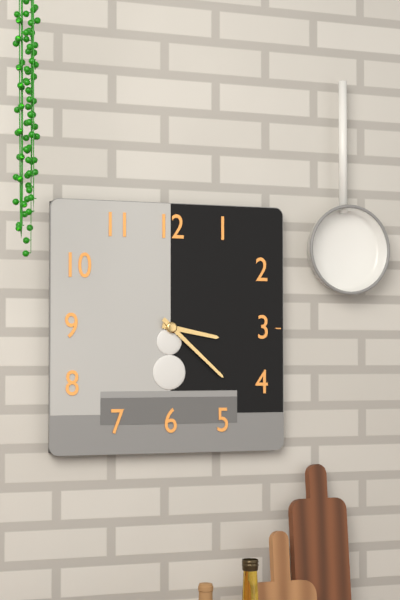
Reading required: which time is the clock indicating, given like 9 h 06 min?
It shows 3 h 22 min
